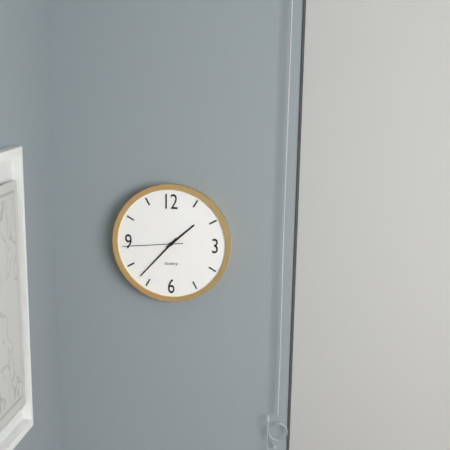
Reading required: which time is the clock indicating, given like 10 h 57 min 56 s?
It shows 1 h 37 min 44 s
